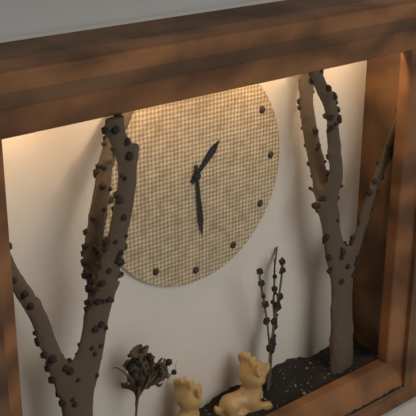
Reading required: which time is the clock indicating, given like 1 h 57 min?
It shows 1 h 29 min
